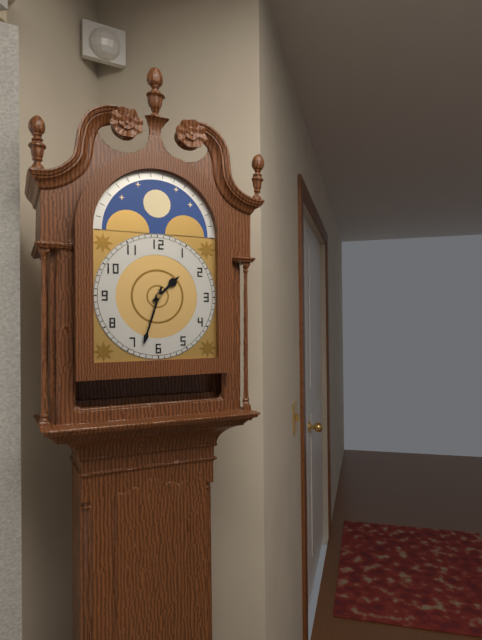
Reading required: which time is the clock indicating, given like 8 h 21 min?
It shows 1 h 33 min
